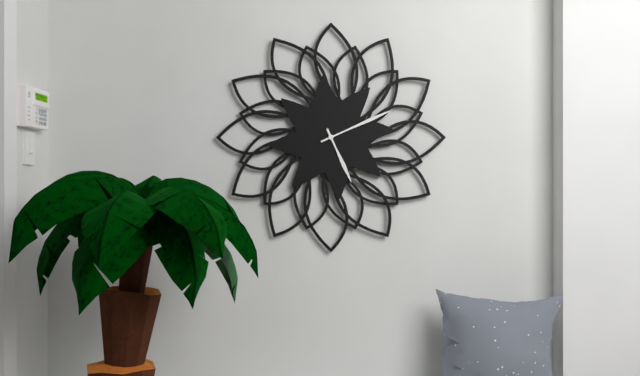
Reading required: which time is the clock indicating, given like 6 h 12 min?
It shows 5 h 11 min
